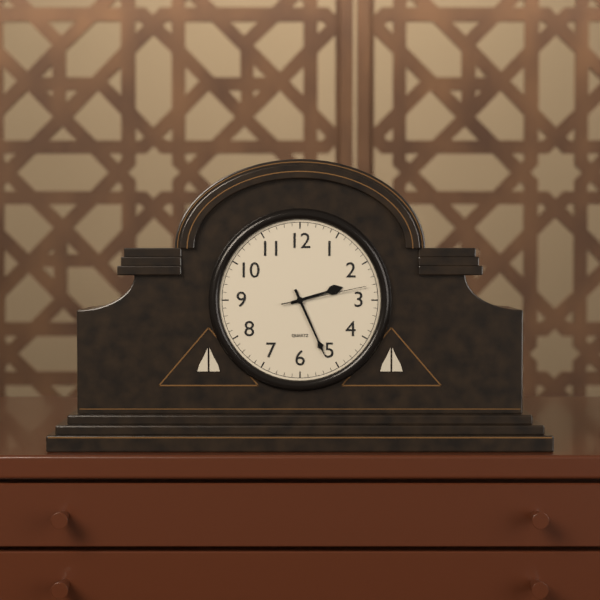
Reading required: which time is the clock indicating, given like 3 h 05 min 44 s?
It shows 2 h 26 min 13 s
